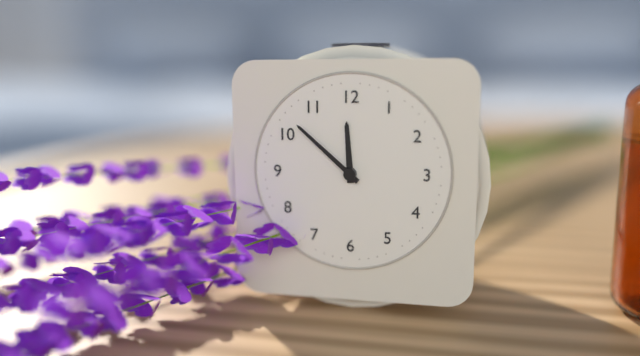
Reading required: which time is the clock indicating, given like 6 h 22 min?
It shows 11 h 52 min
